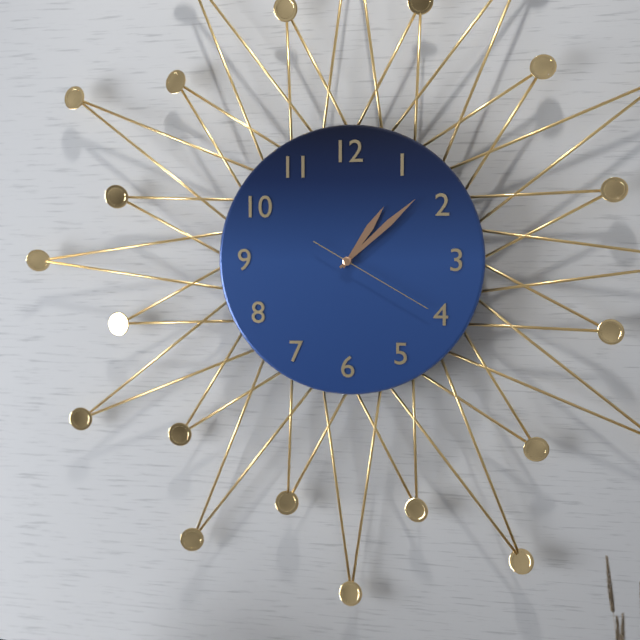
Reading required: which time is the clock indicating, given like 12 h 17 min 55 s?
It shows 1 h 08 min 20 s
